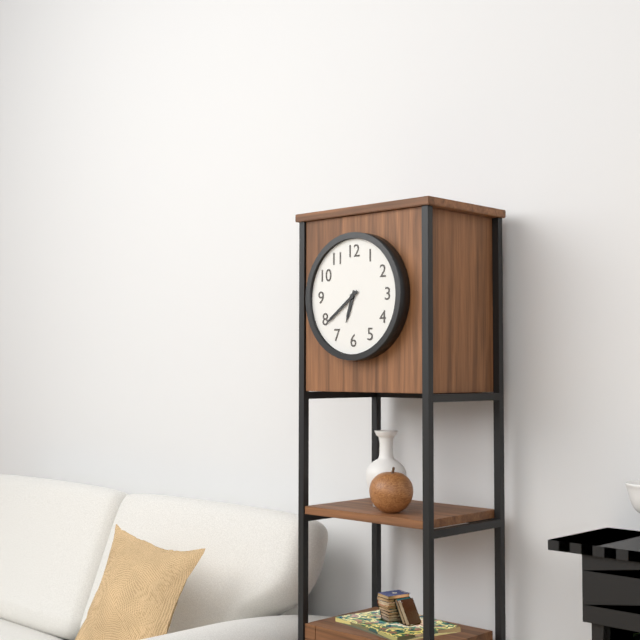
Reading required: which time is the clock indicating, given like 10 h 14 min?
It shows 6 h 39 min
